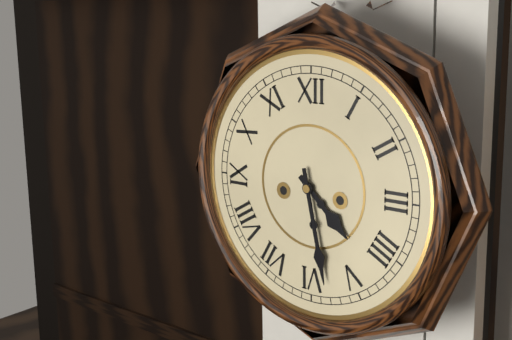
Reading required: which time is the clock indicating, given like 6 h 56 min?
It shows 4 h 28 min
